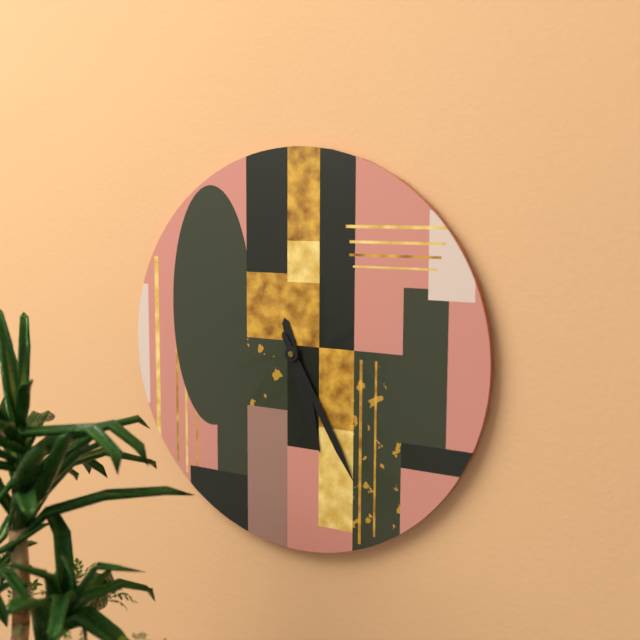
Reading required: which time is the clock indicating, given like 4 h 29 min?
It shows 5 h 25 min
